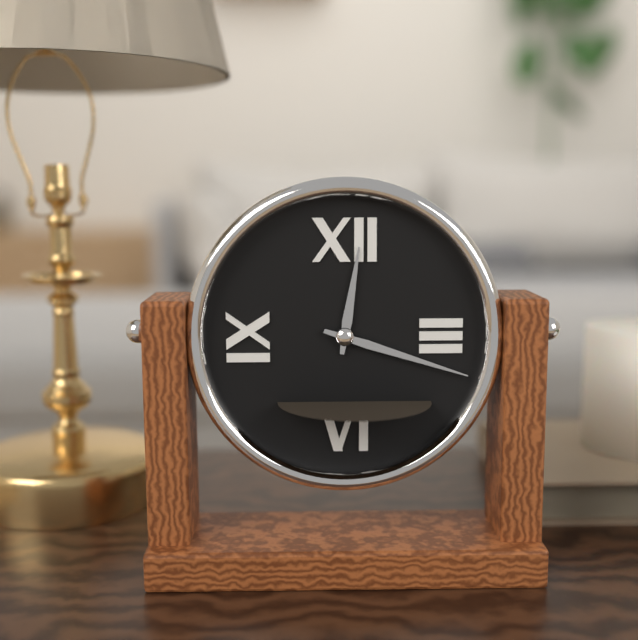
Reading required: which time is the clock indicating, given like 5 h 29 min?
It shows 12 h 18 min
